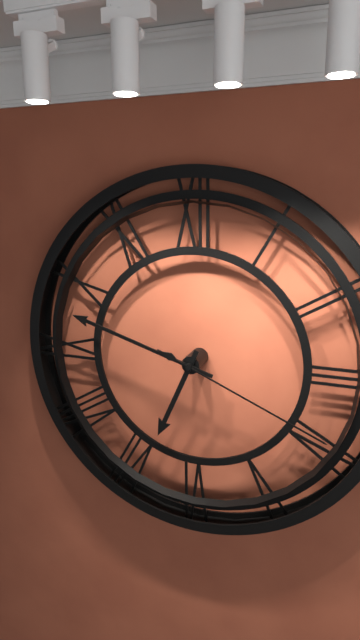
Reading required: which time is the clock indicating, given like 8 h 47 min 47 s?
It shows 6 h 48 min 19 s
